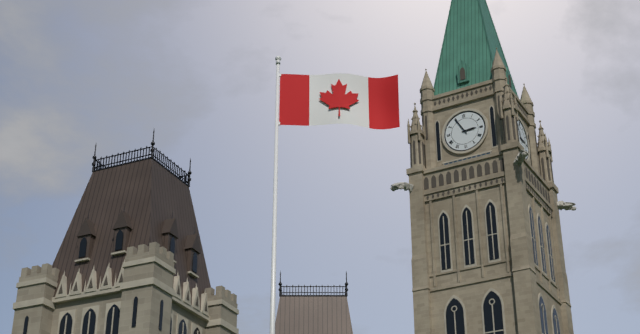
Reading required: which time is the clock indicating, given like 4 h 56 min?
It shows 2 h 55 min
